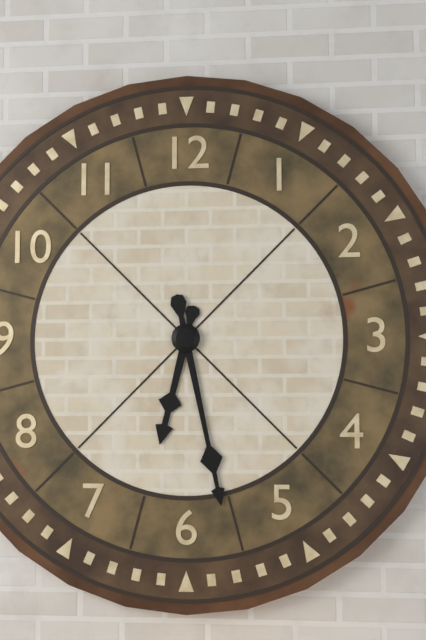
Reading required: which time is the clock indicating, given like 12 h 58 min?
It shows 6 h 28 min
